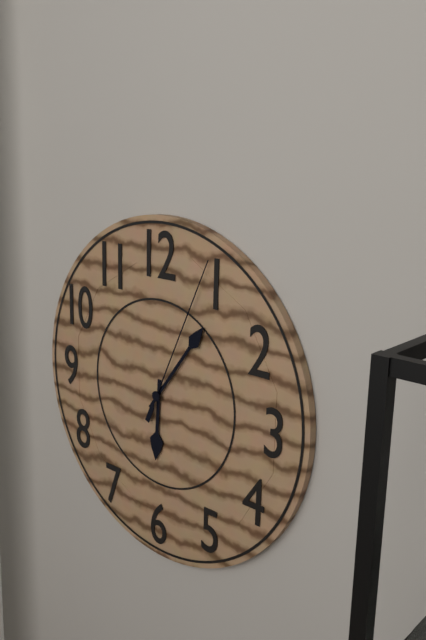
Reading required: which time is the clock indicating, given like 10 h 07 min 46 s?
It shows 6 h 06 min 04 s
